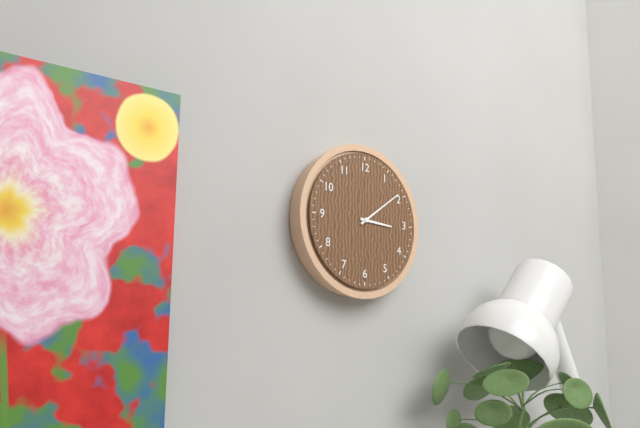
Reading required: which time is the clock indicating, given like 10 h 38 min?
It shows 3 h 09 min
